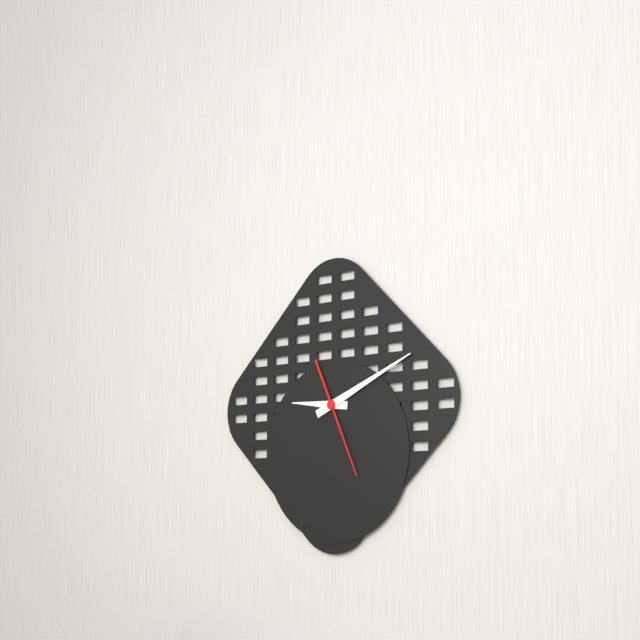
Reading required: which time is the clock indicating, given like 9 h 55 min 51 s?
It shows 9 h 11 min 26 s
